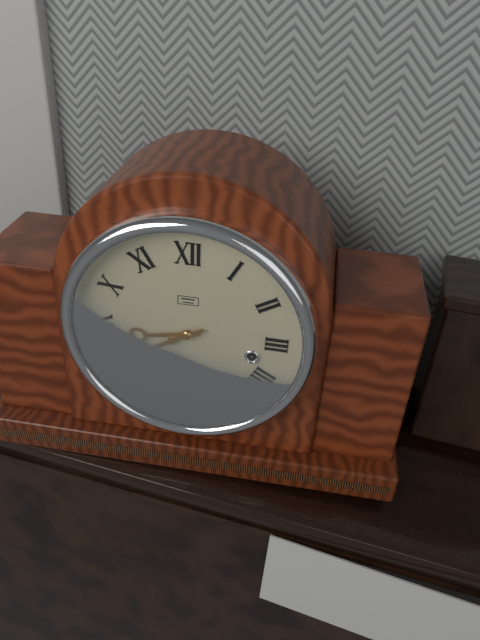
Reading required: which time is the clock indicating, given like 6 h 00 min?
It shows 8 h 40 min
